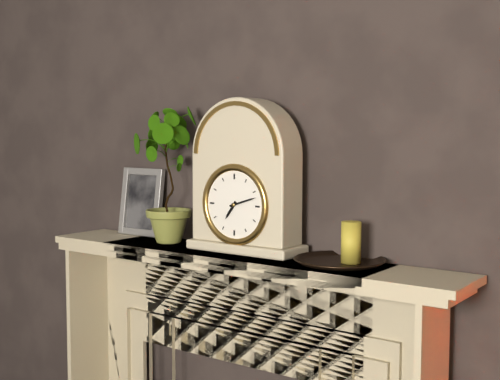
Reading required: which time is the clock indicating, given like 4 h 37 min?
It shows 7 h 12 min
